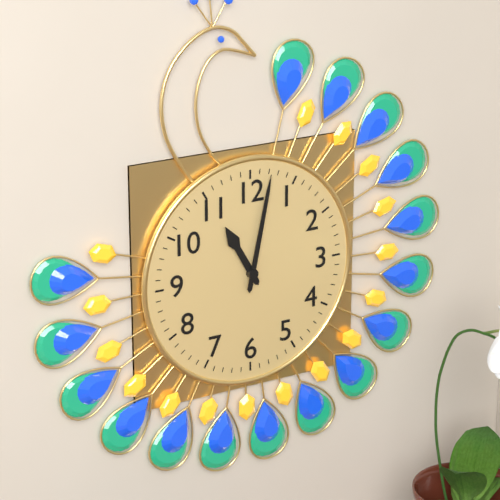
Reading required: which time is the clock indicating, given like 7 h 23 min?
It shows 11 h 02 min
